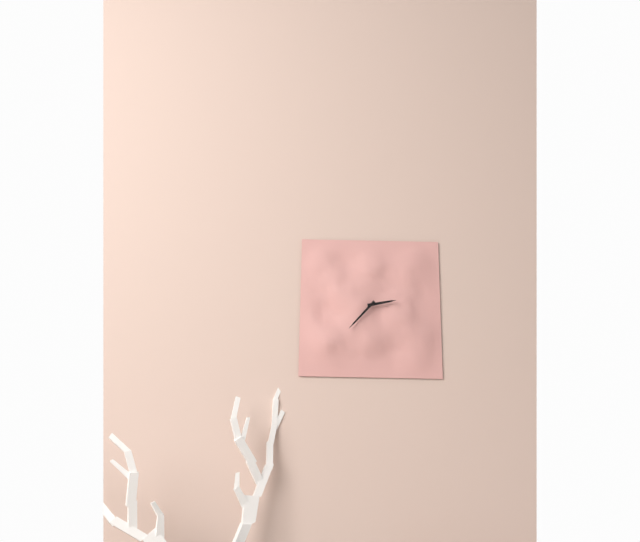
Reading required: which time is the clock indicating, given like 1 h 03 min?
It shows 2 h 37 min
